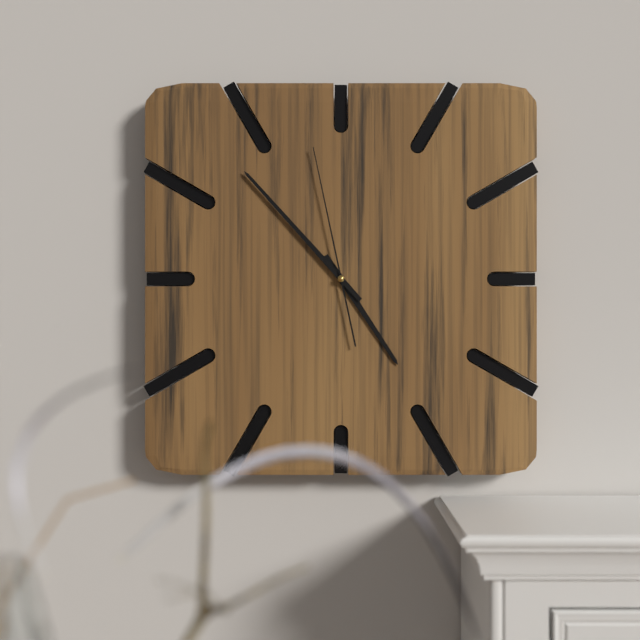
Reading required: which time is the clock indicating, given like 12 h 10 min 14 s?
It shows 4 h 53 min 58 s
